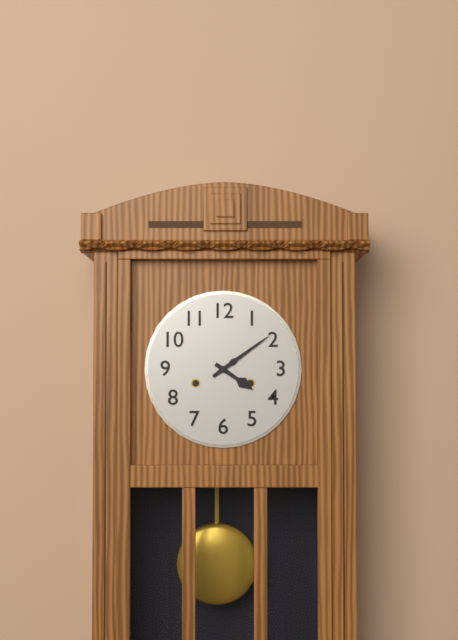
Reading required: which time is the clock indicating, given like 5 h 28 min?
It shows 4 h 09 min
